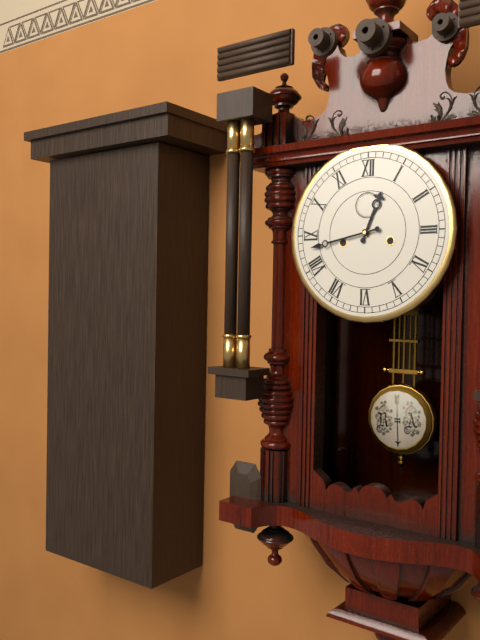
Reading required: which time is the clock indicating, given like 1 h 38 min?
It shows 12 h 43 min
